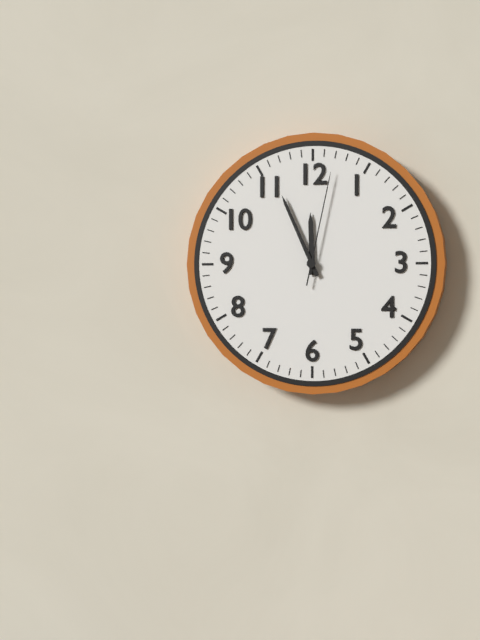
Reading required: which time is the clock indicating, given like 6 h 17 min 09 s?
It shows 11 h 56 min 02 s
